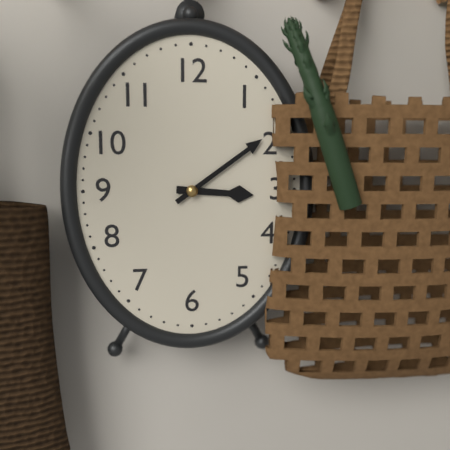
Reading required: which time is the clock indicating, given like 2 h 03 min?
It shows 3 h 09 min
